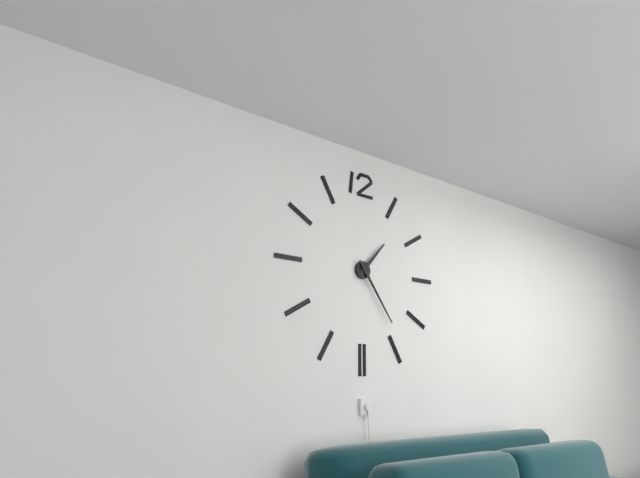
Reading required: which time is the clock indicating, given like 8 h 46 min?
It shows 1 h 24 min
